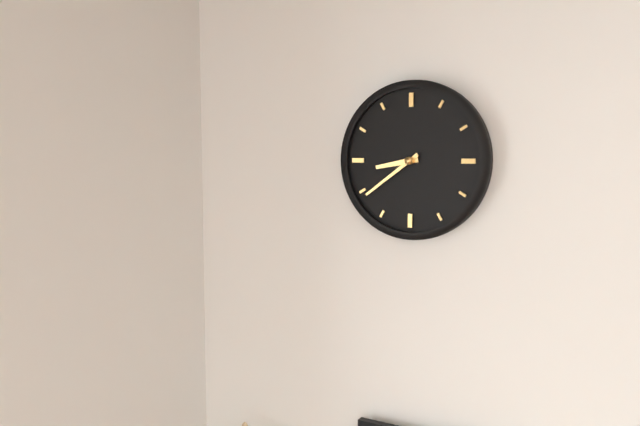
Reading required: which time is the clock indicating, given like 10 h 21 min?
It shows 8 h 39 min
